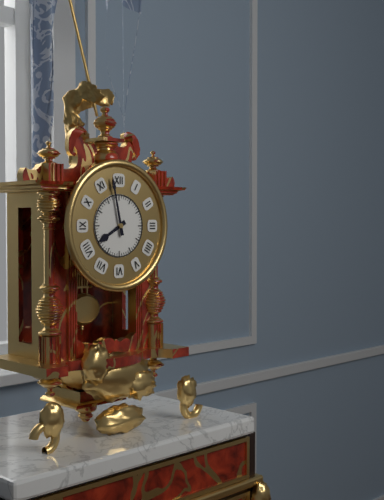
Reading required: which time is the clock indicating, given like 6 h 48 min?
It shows 7 h 58 min
